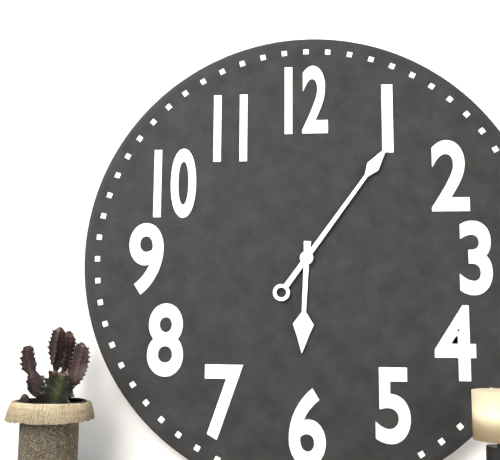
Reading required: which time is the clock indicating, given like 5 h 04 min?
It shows 6 h 06 min
